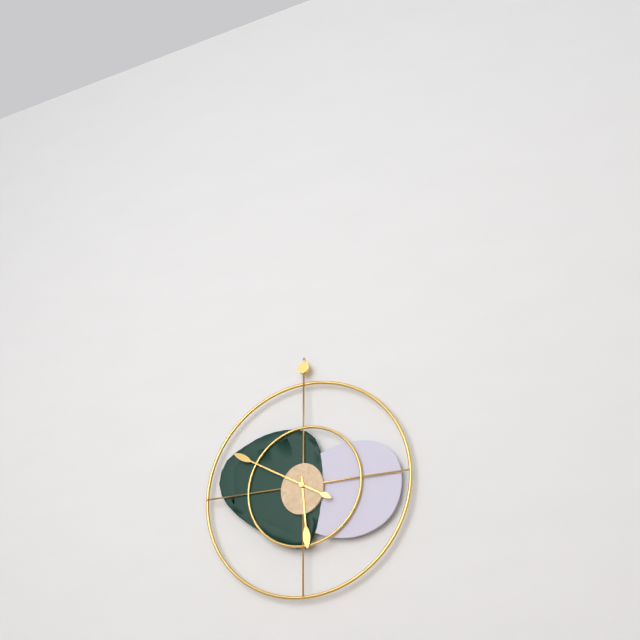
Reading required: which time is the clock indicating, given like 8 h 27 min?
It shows 5 h 50 min
